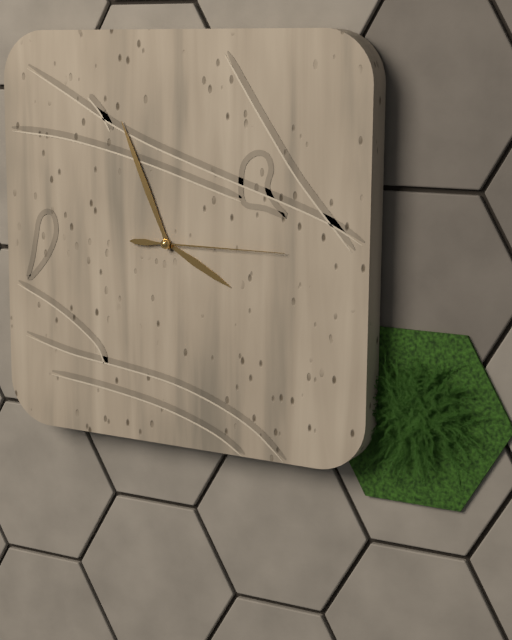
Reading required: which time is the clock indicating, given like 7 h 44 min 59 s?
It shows 3 h 56 min 15 s
